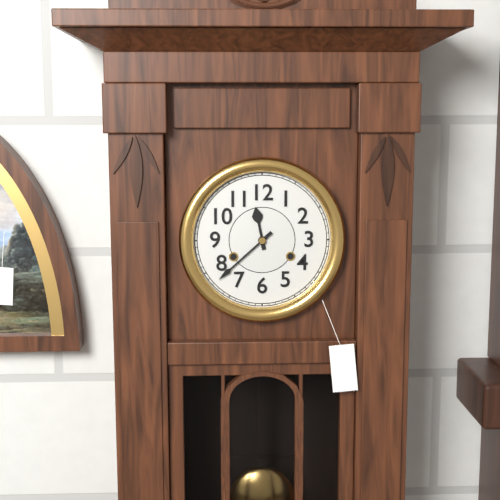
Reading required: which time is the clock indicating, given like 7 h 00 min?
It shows 11 h 38 min
